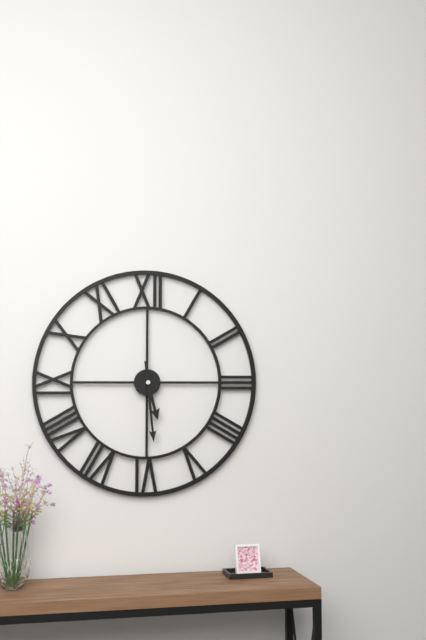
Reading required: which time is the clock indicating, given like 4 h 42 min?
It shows 5 h 29 min
